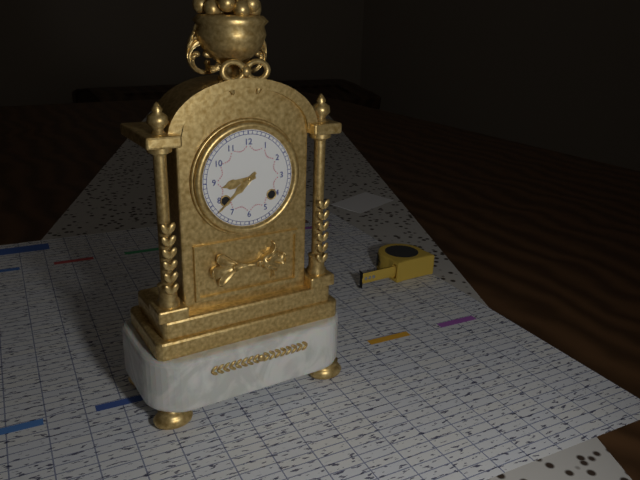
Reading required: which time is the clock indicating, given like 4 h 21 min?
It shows 8 h 38 min
